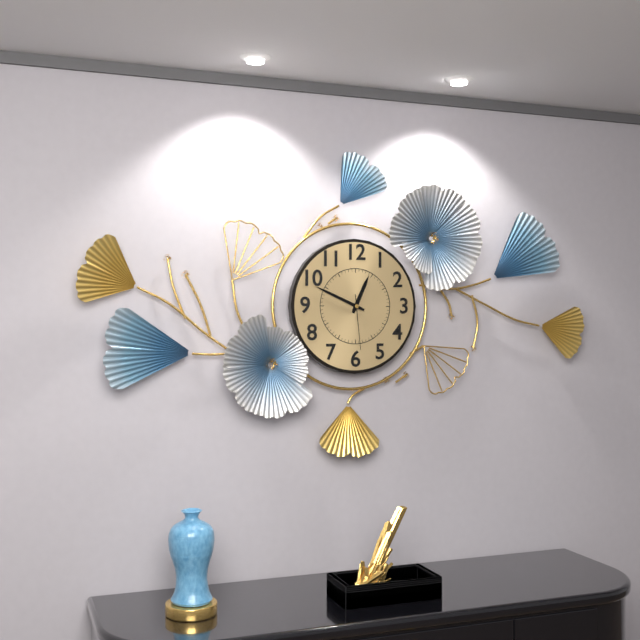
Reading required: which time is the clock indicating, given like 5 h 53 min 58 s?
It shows 12 h 49 min 29 s
